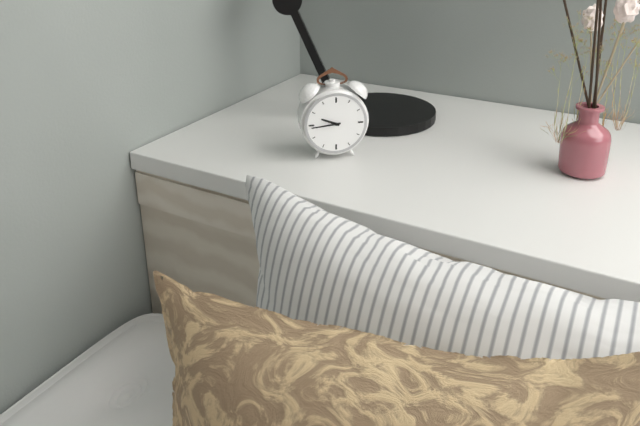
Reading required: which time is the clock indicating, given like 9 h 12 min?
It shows 9 h 44 min
